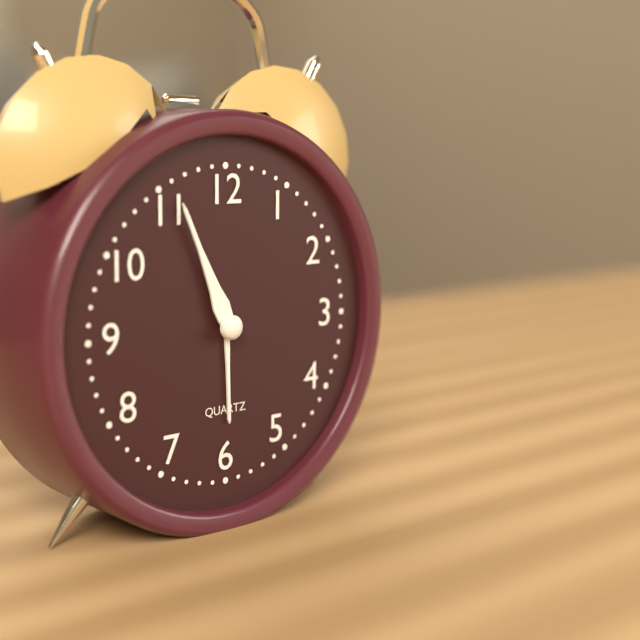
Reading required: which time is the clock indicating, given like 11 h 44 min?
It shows 5 h 56 min
